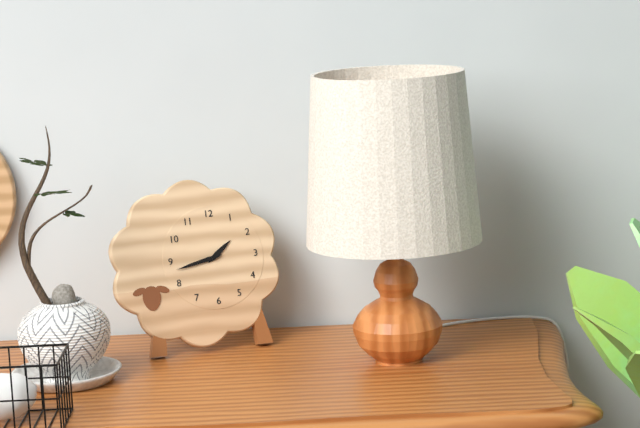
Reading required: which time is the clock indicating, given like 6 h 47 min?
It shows 1 h 43 min
